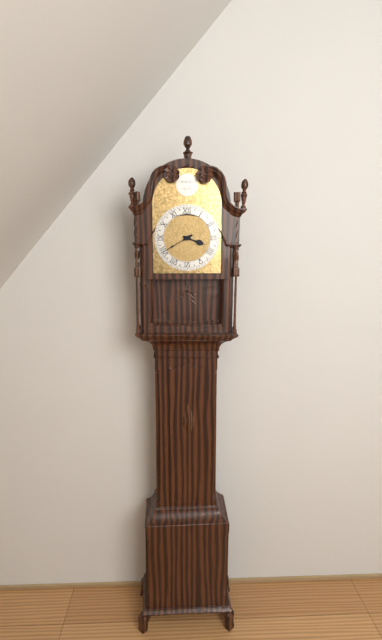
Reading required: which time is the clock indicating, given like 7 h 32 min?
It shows 3 h 40 min
